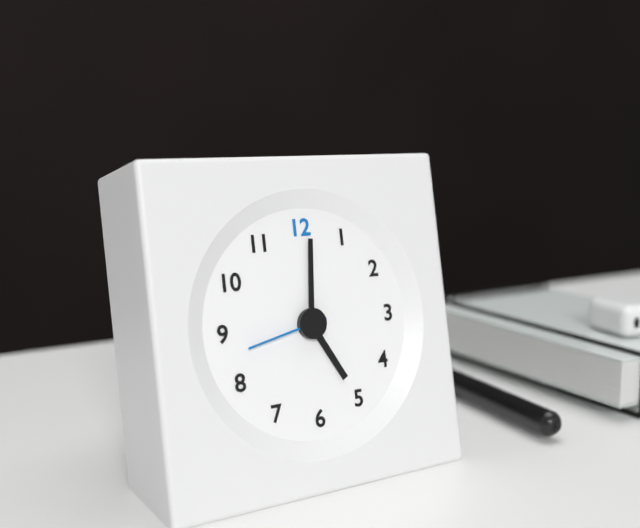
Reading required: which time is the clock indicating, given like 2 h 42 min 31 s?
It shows 5 h 01 min 43 s
